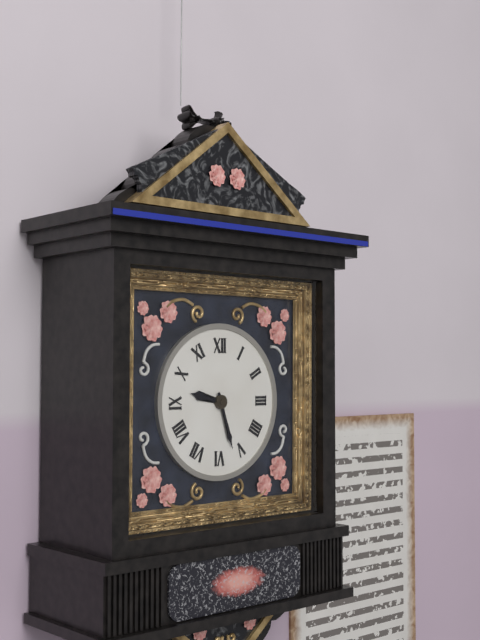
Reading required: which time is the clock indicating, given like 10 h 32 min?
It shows 9 h 27 min
